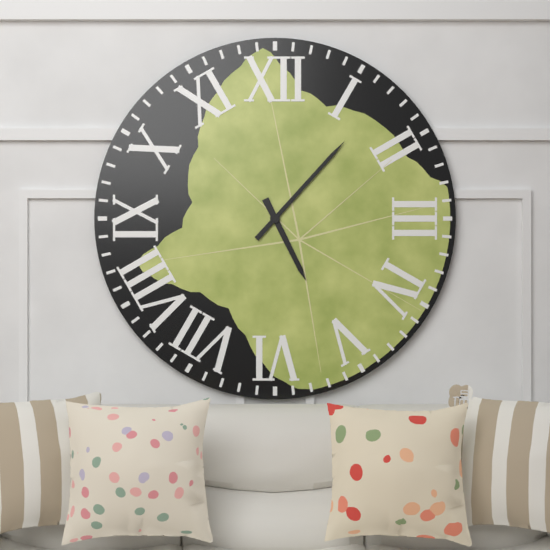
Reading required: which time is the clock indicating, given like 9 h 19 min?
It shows 5 h 07 min
